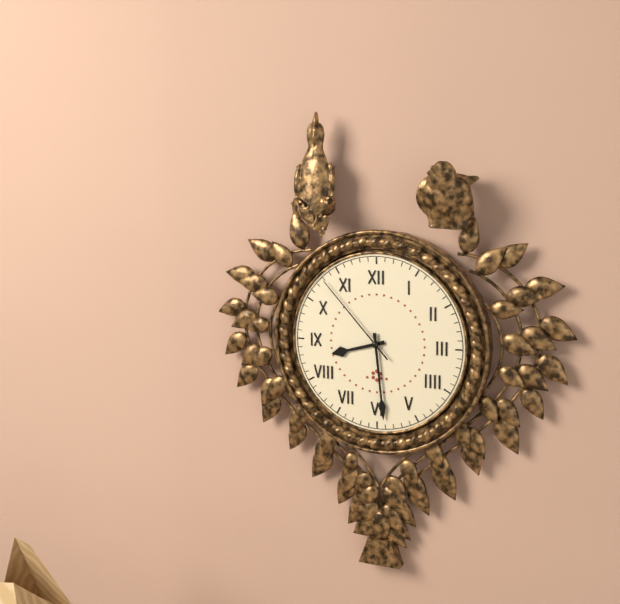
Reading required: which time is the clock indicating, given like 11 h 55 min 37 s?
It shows 8 h 29 min 53 s
